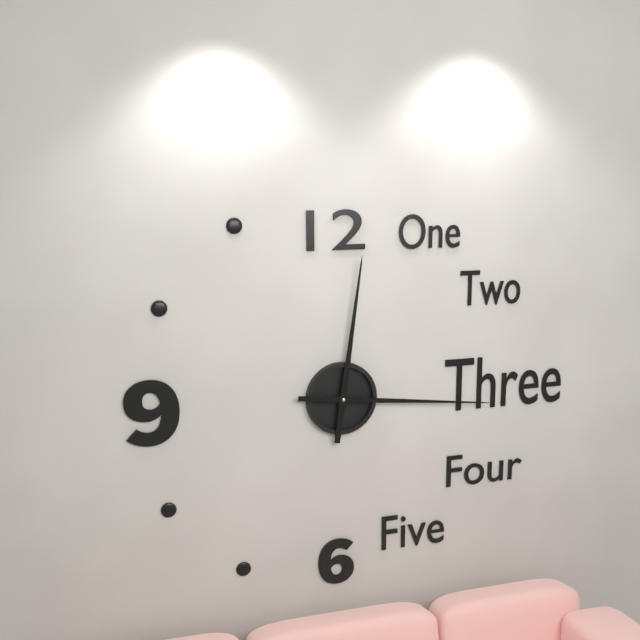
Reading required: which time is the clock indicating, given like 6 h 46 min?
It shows 12 h 16 min
